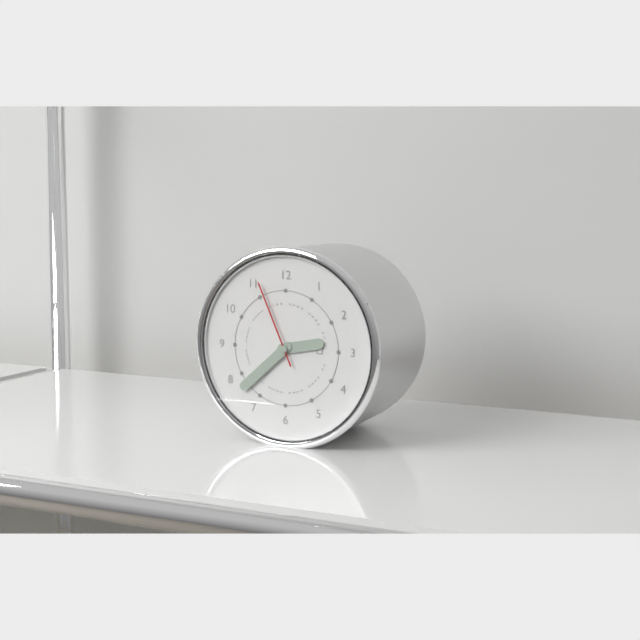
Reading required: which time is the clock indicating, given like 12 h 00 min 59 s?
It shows 2 h 38 min 56 s
